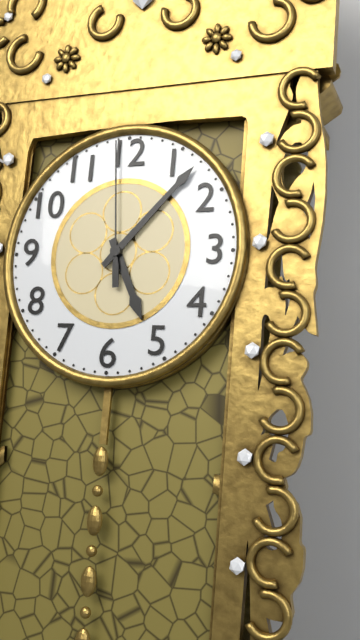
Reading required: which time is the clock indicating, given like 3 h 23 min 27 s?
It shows 5 h 07 min 59 s
